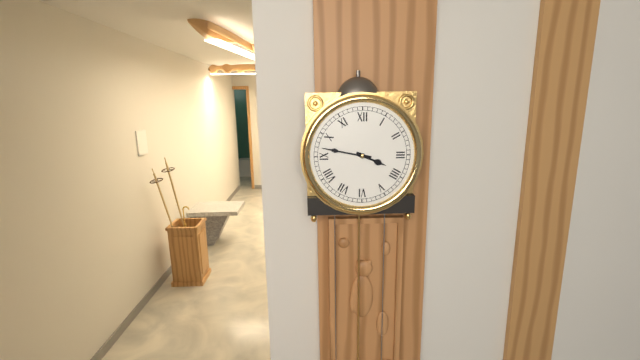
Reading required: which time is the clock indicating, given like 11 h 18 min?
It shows 3 h 47 min
